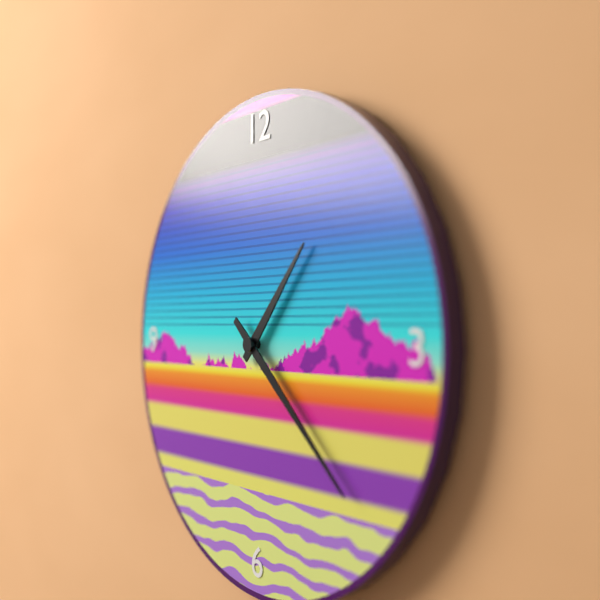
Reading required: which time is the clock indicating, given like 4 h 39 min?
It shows 1 h 22 min
